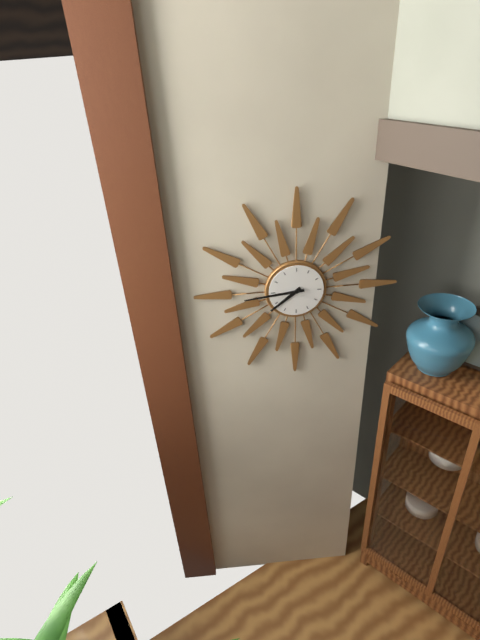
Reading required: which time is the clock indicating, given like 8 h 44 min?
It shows 7 h 44 min
